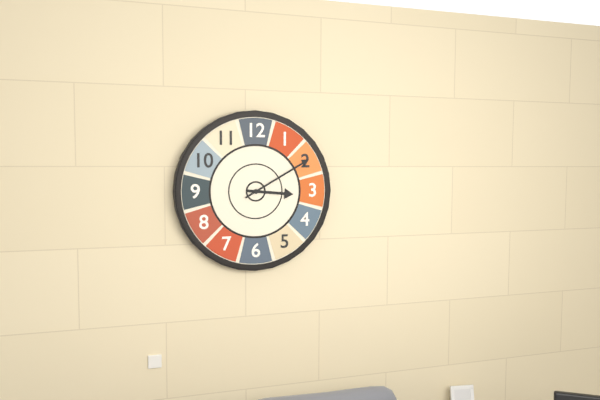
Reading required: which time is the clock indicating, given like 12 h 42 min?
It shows 3 h 10 min
